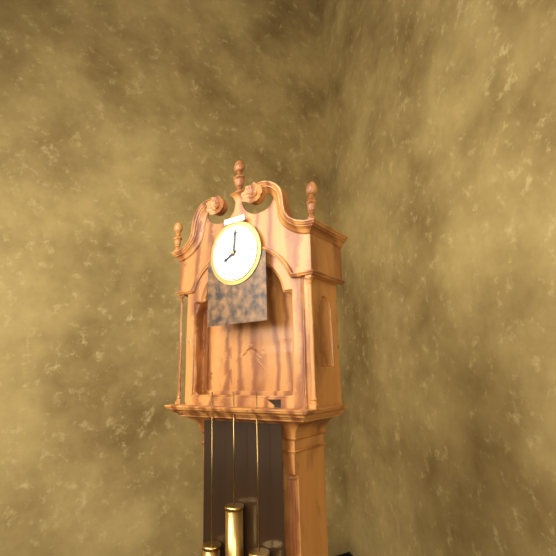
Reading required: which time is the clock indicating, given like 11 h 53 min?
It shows 8 h 01 min
